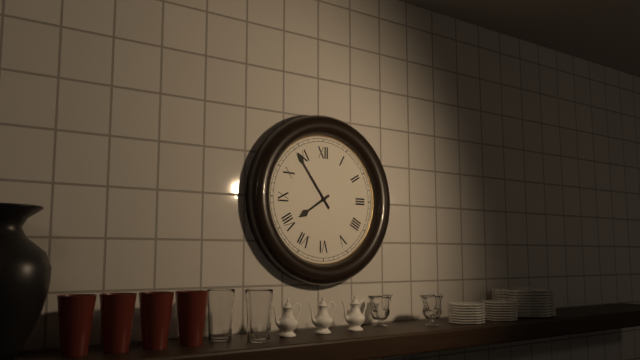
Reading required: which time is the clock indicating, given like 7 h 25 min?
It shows 7 h 54 min
